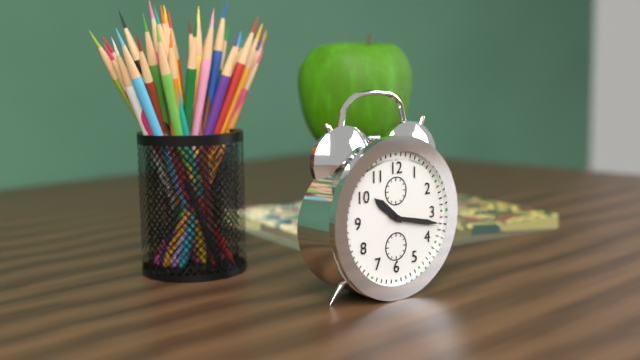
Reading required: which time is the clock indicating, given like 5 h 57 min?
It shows 10 h 17 min
